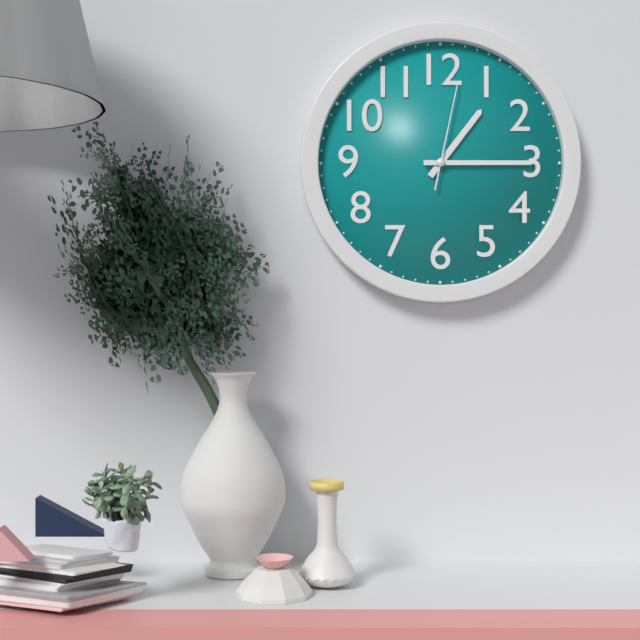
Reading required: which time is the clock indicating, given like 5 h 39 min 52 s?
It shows 1 h 15 min 02 s
